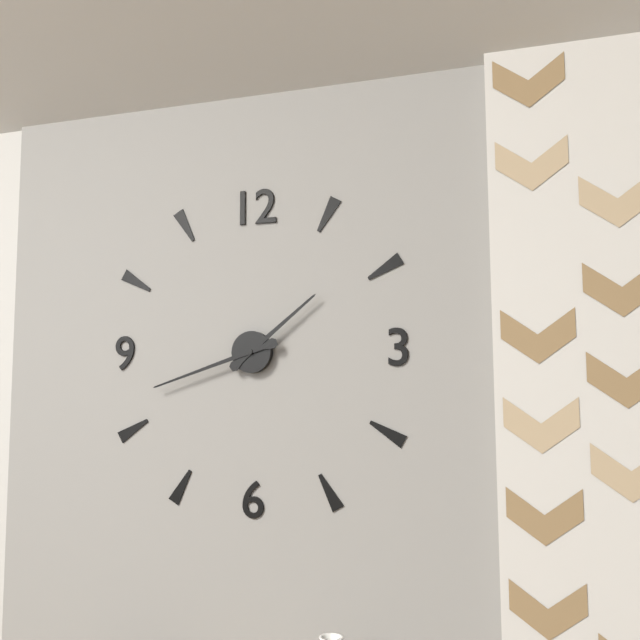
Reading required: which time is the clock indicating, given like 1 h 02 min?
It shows 1 h 42 min
